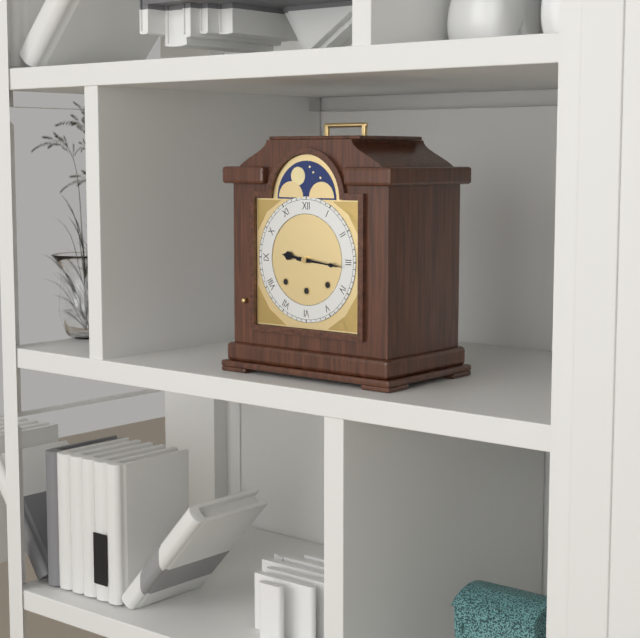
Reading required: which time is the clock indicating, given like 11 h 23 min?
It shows 9 h 16 min
